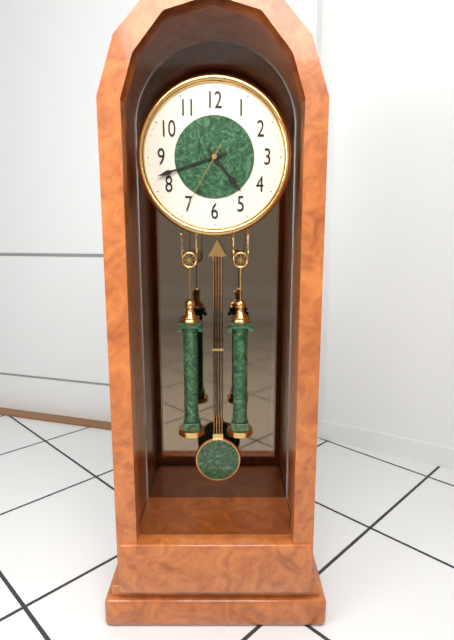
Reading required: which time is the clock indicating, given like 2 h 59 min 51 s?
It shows 4 h 42 min 35 s
